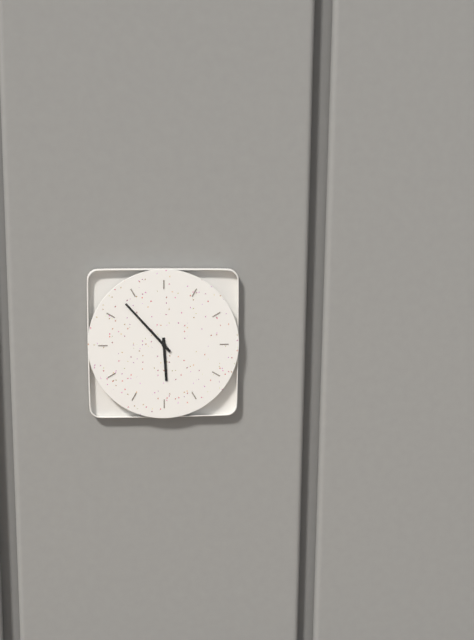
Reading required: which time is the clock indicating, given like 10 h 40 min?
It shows 5 h 53 min
